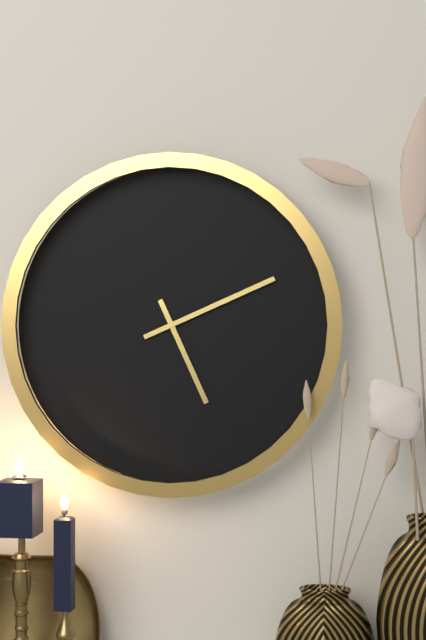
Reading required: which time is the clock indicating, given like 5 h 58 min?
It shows 5 h 11 min
